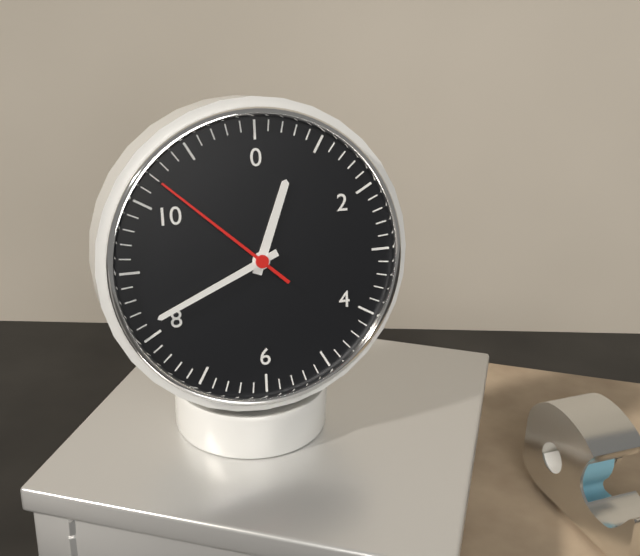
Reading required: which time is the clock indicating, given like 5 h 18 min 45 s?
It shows 12 h 41 min 52 s
